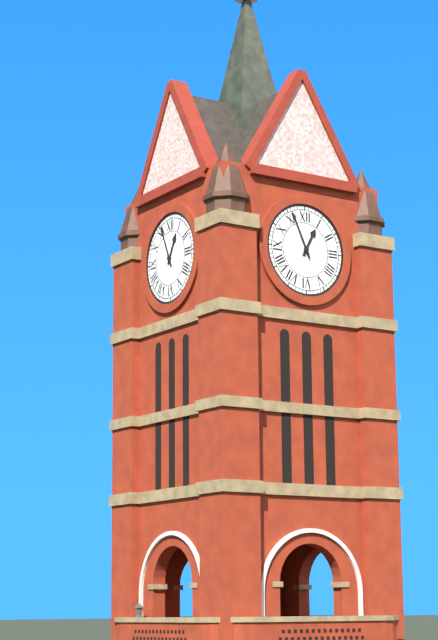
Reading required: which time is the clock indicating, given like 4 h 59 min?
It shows 12 h 56 min
